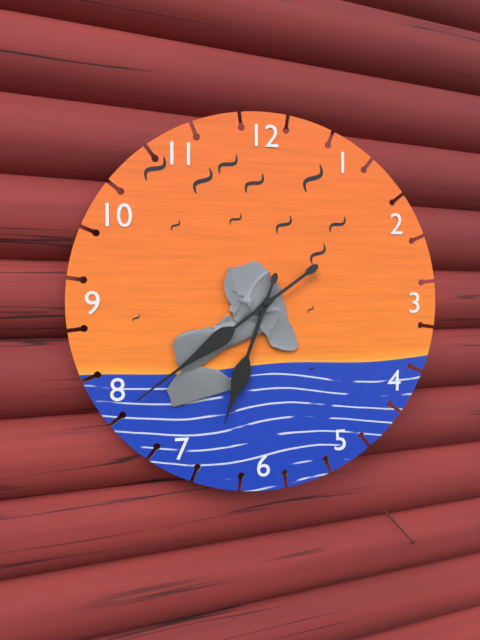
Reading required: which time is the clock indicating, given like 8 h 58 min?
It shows 6 h 39 min
